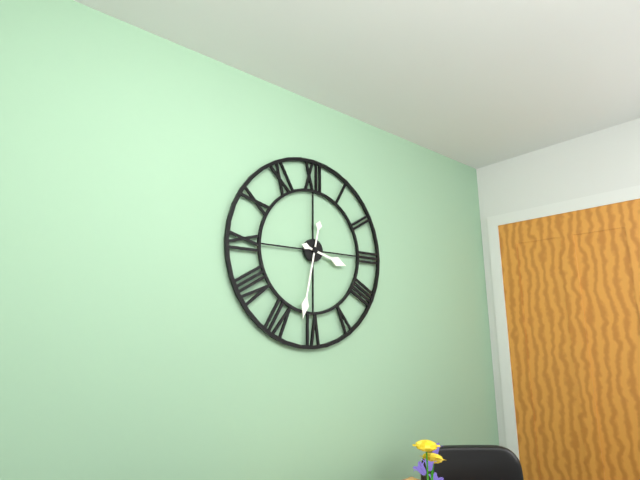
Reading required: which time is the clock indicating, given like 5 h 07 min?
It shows 3 h 32 min
